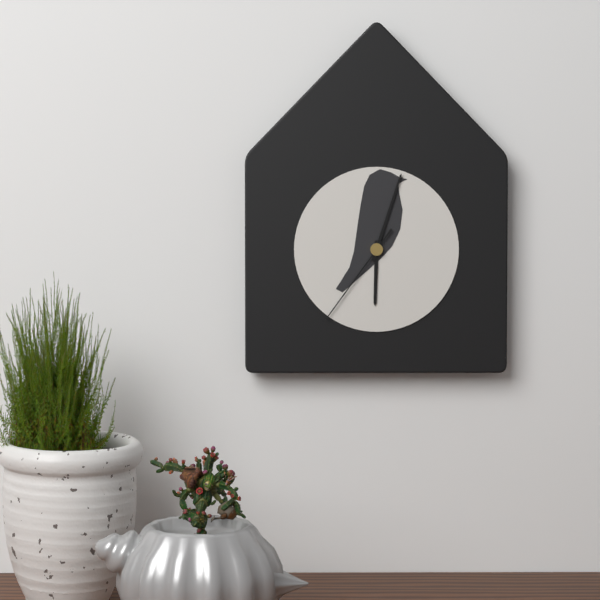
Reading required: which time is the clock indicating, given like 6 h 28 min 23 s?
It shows 6 h 03 min 36 s
